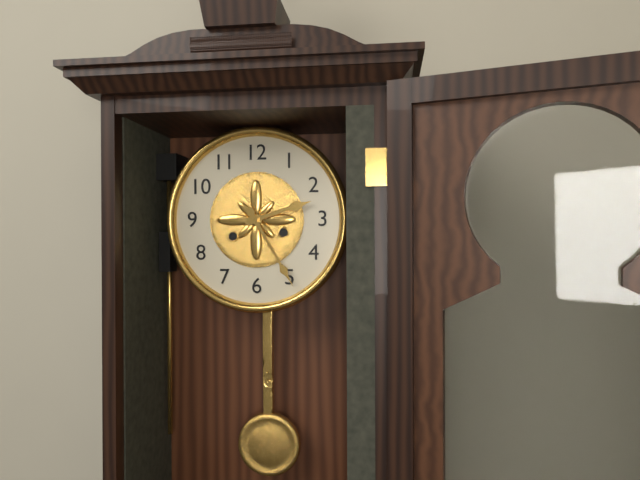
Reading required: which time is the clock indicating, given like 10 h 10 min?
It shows 2 h 25 min
